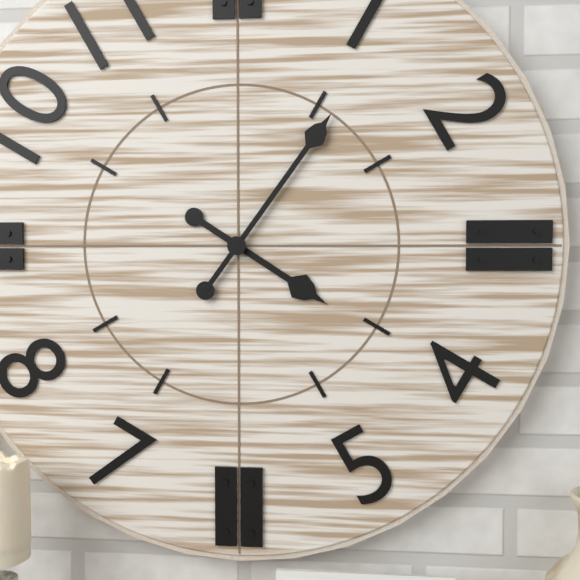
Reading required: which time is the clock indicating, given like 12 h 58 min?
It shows 4 h 06 min
